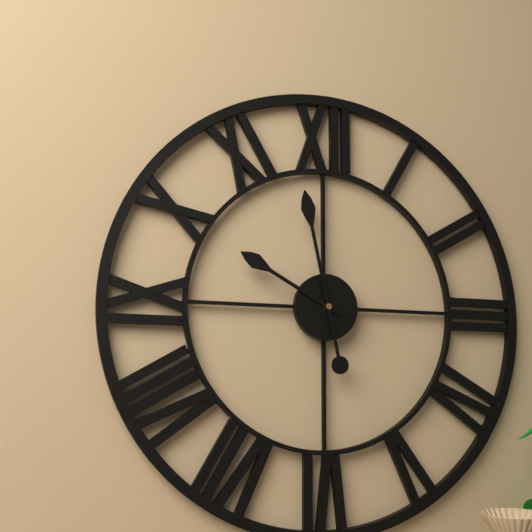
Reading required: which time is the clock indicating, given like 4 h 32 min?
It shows 9 h 58 min
